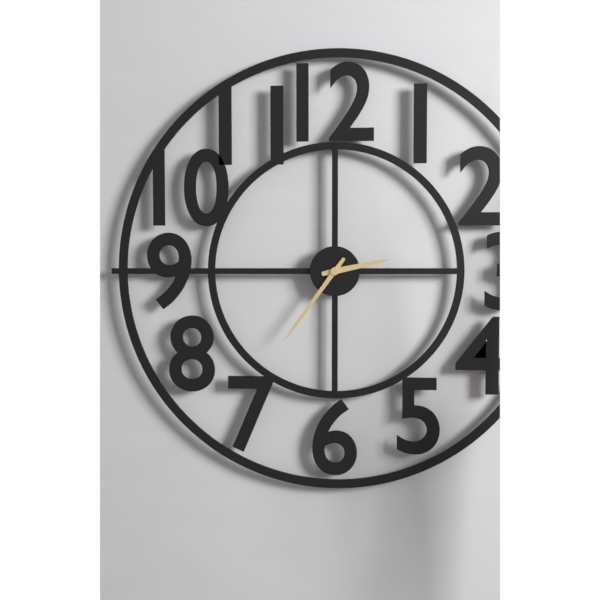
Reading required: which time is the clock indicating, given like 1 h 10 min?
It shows 2 h 36 min
